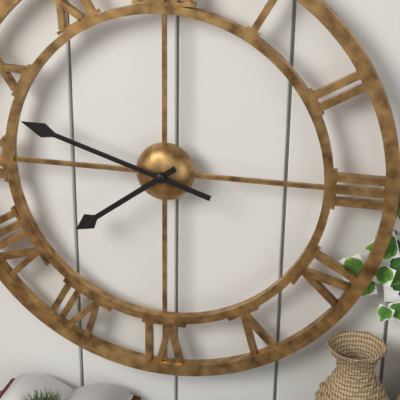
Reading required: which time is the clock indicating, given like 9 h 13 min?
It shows 7 h 48 min
